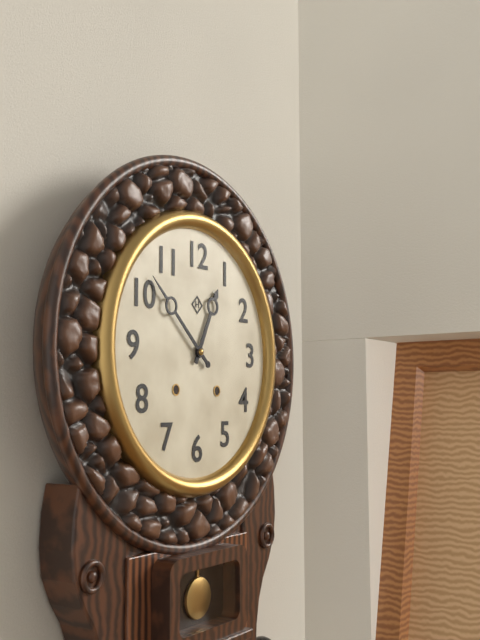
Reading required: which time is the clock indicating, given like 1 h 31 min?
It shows 12 h 52 min
